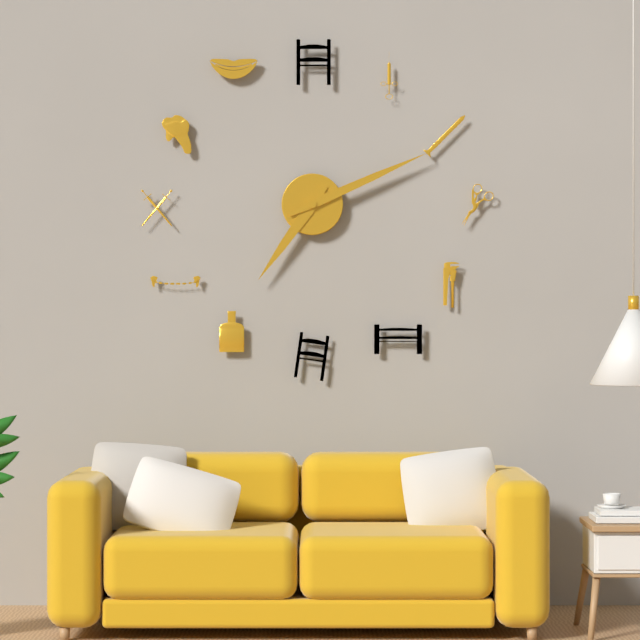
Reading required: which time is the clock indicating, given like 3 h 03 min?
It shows 7 h 11 min
